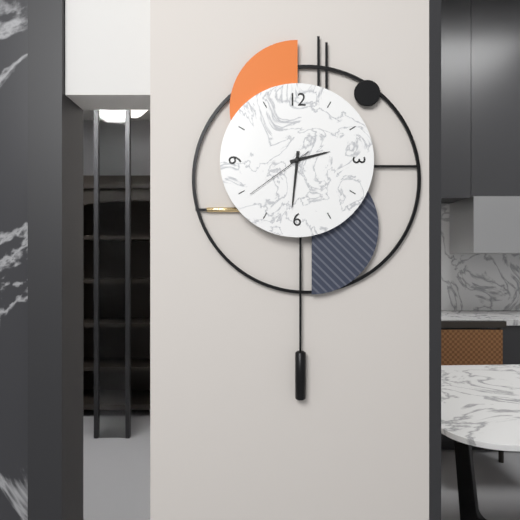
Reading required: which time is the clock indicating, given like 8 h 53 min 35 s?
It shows 2 h 31 min 39 s
